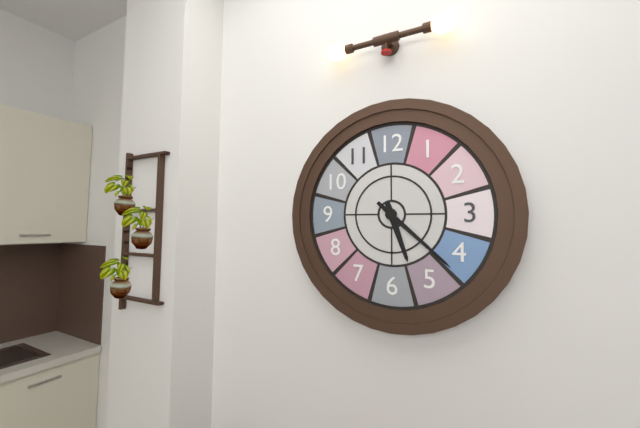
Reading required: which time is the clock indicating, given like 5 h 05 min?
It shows 5 h 22 min
